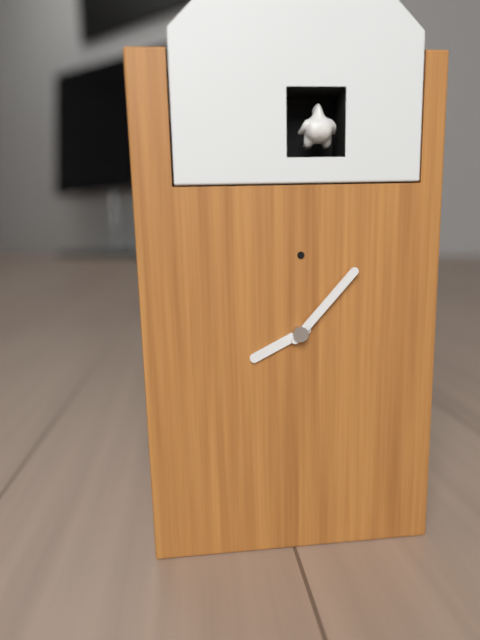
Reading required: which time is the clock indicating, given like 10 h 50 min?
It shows 8 h 07 min
